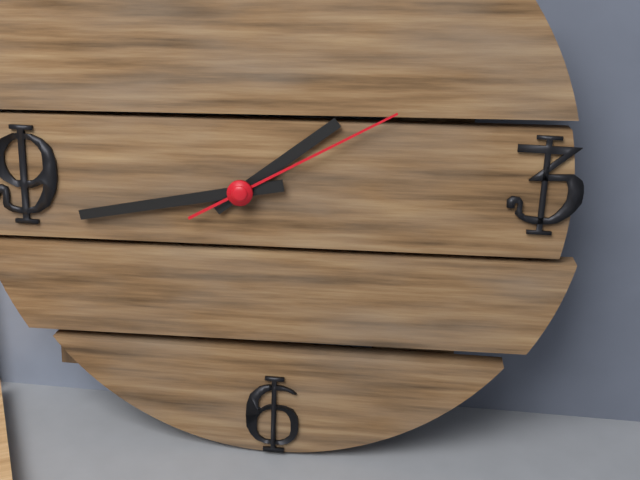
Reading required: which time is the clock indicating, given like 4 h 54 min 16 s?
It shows 1 h 43 min 10 s
